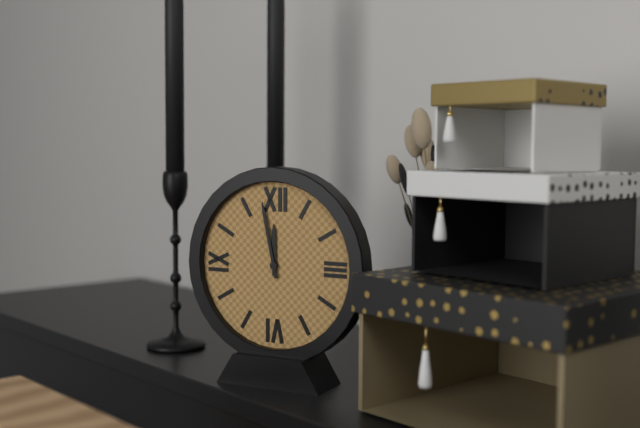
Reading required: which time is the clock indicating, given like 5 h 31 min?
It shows 11 h 58 min
